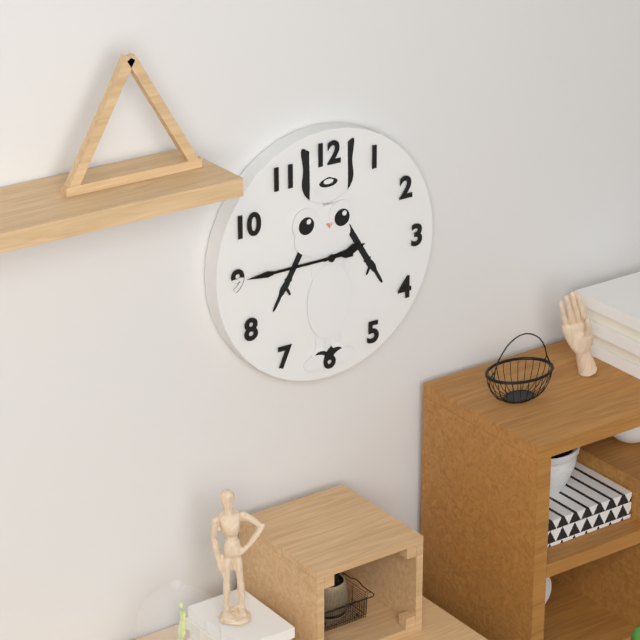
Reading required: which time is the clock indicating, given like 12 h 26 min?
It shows 2 h 45 min
